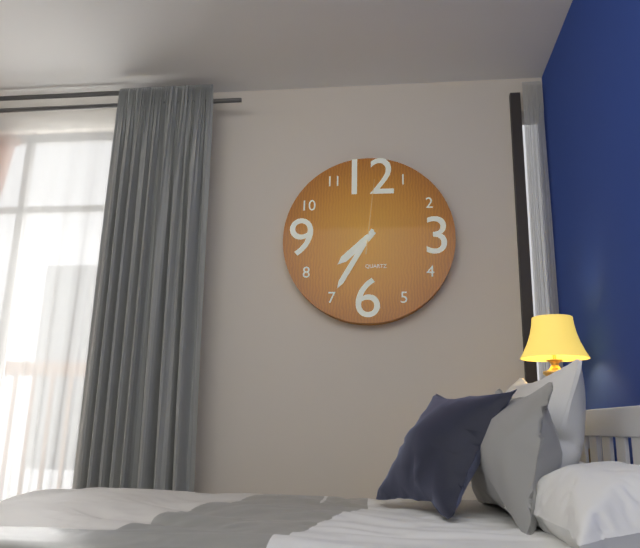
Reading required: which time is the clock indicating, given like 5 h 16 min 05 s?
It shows 7 h 35 min 01 s
